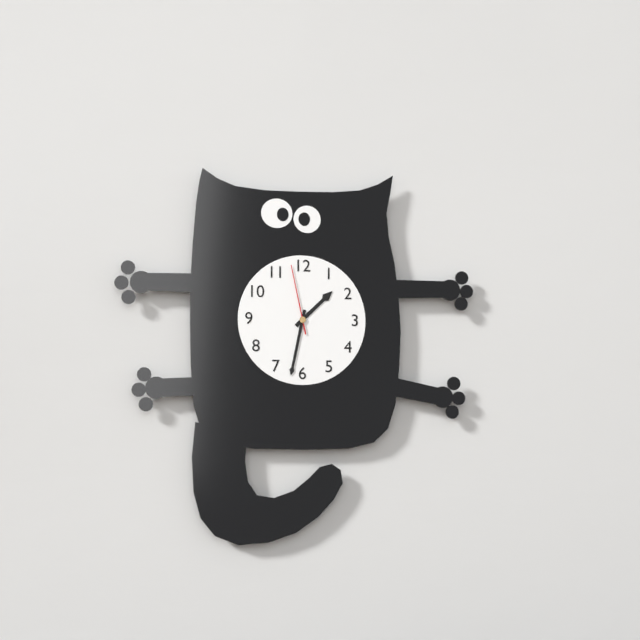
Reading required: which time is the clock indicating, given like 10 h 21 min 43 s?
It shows 1 h 32 min 58 s
